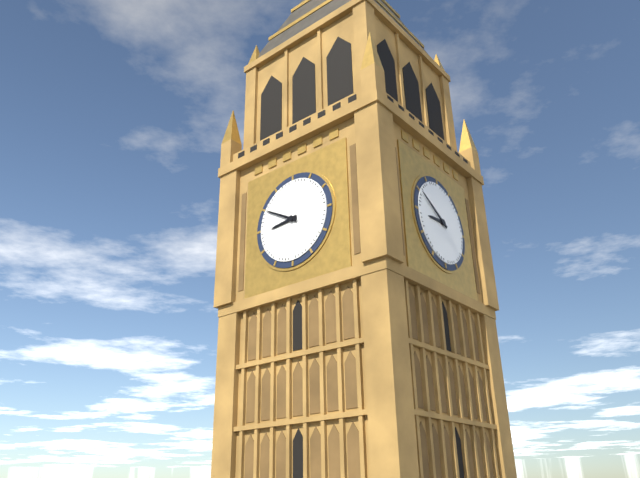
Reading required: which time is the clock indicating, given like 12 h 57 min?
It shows 8 h 50 min
